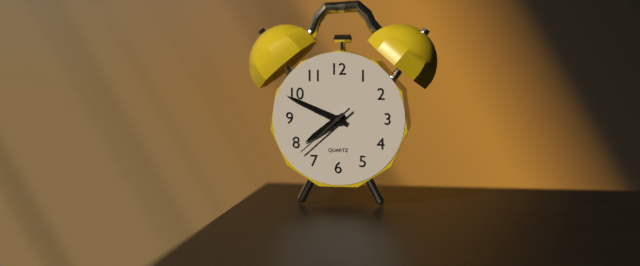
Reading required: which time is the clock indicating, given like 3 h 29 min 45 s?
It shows 7 h 49 min 38 s
